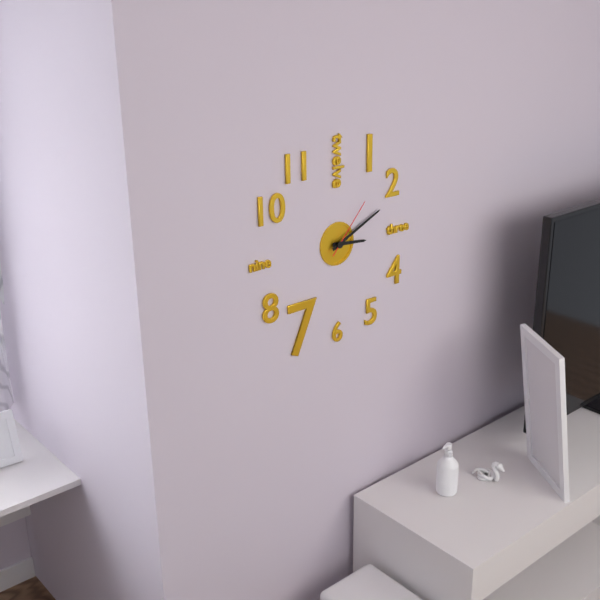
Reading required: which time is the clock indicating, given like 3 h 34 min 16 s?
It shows 3 h 11 min 07 s
